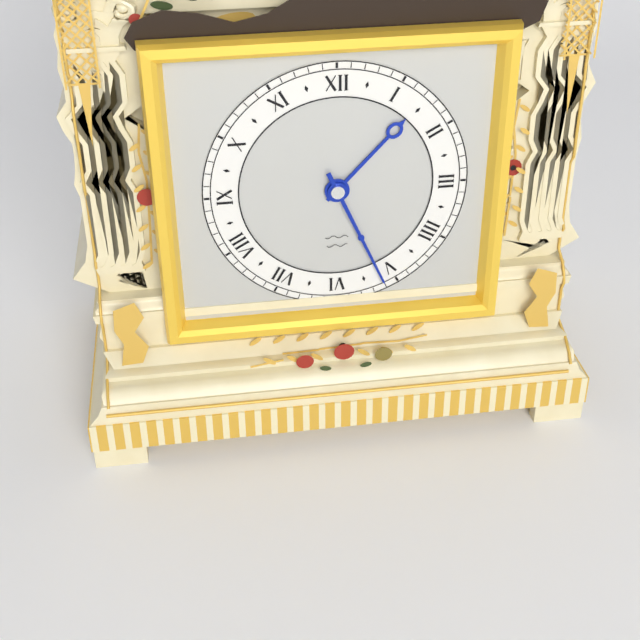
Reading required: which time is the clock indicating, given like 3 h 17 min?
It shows 1 h 26 min
